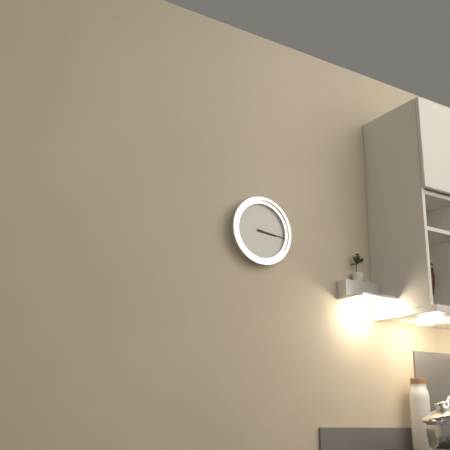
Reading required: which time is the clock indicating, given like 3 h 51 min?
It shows 3 h 16 min
